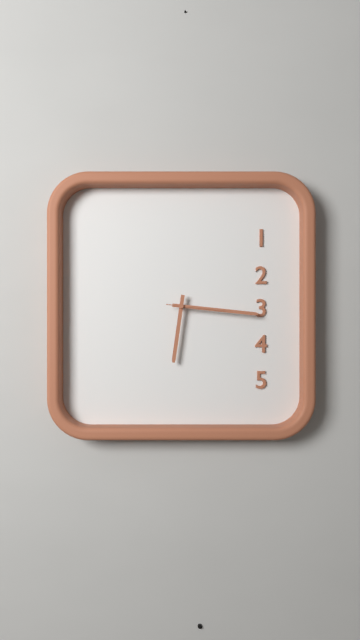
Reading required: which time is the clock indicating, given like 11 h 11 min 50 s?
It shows 6 h 16 min 16 s
